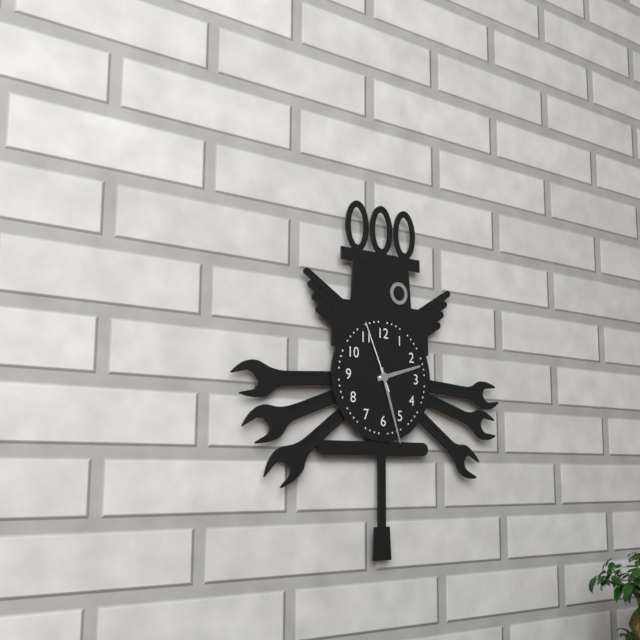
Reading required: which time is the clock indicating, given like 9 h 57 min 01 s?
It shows 2 h 27 min 56 s
